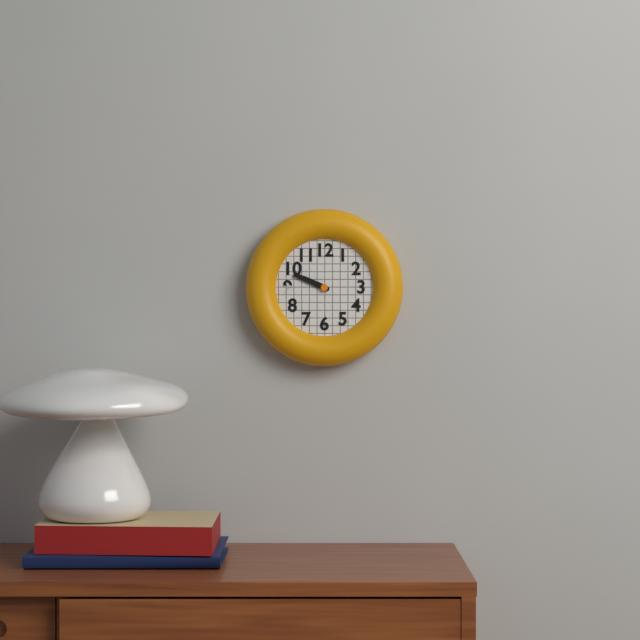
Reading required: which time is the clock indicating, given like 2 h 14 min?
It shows 9 h 49 min
